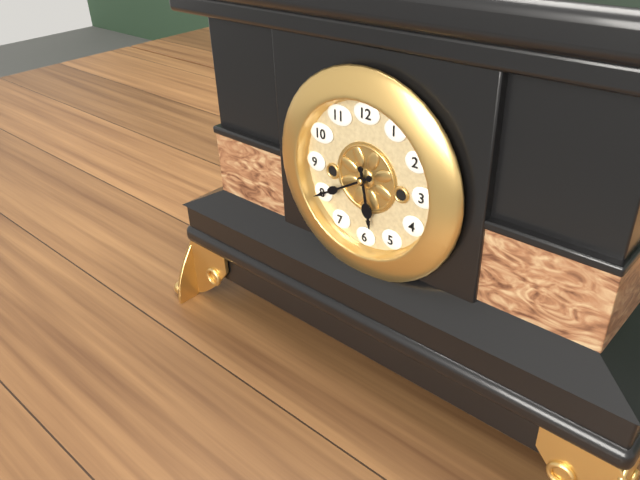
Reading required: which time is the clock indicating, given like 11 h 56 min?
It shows 5 h 40 min
